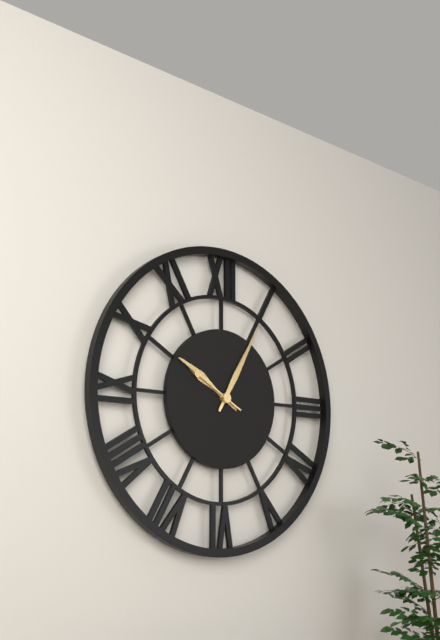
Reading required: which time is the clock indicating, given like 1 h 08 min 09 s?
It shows 10 h 05 min 50 s
